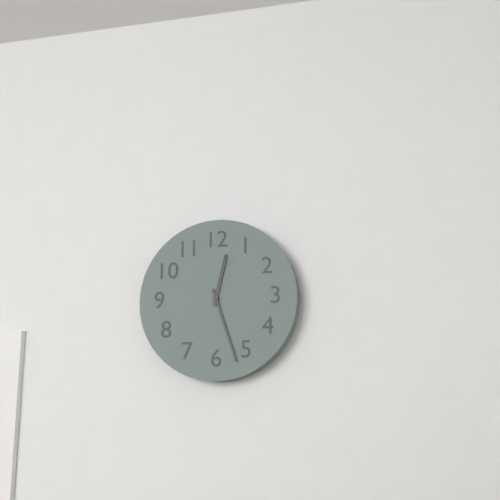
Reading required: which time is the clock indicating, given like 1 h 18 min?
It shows 12 h 27 min
